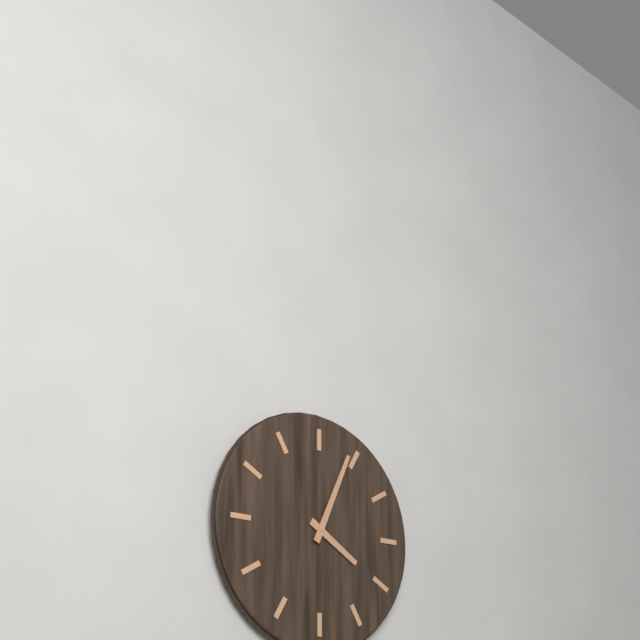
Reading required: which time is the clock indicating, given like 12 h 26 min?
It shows 4 h 04 min
